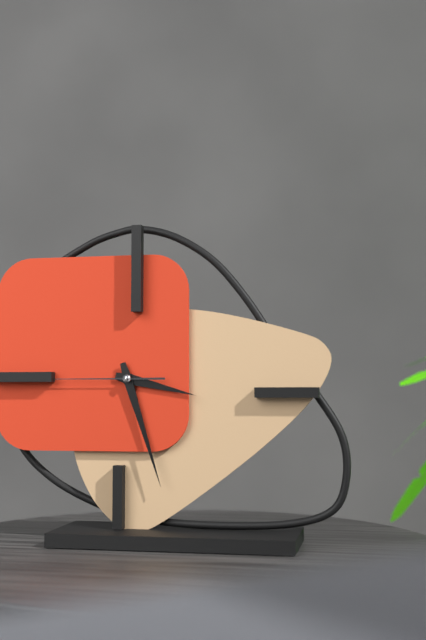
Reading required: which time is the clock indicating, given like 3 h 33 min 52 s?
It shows 3 h 27 min 45 s
